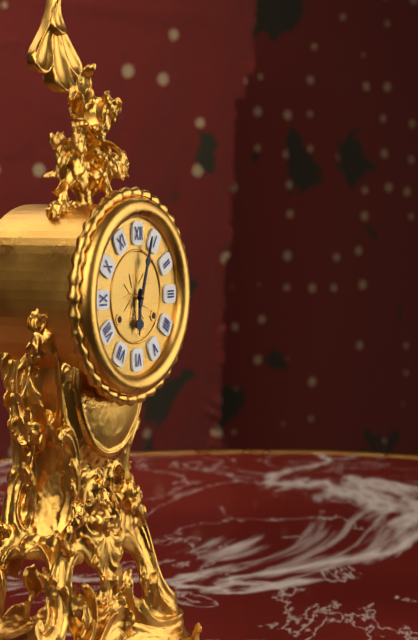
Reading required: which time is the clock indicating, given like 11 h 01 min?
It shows 6 h 03 min
